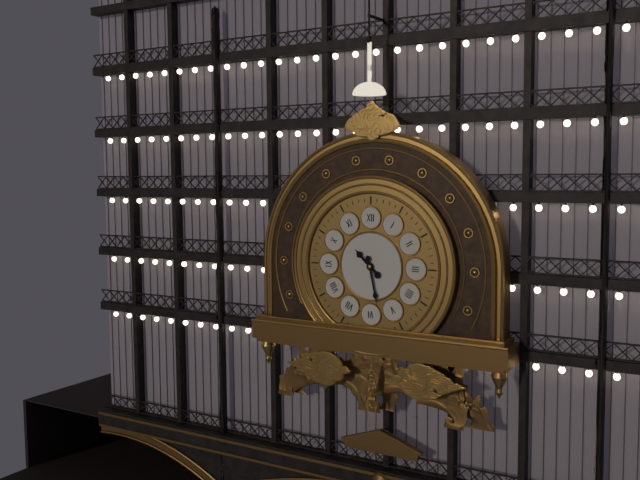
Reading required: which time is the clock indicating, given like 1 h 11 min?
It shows 10 h 28 min
